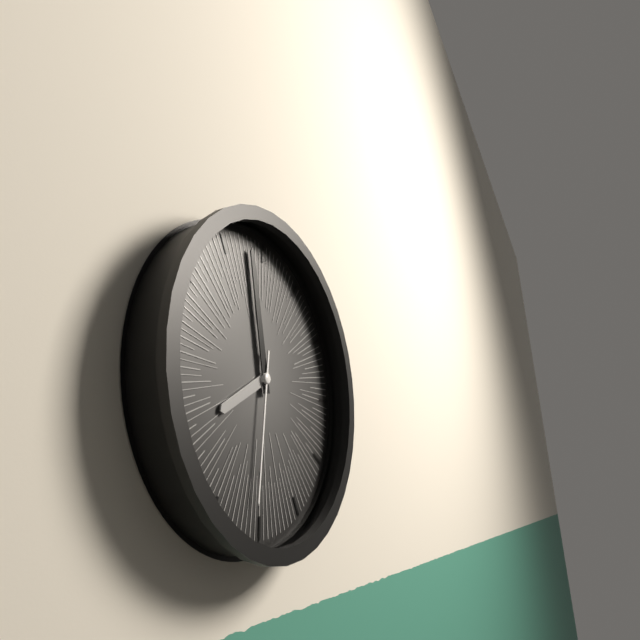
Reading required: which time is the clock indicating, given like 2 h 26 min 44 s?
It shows 7 h 58 min 31 s
